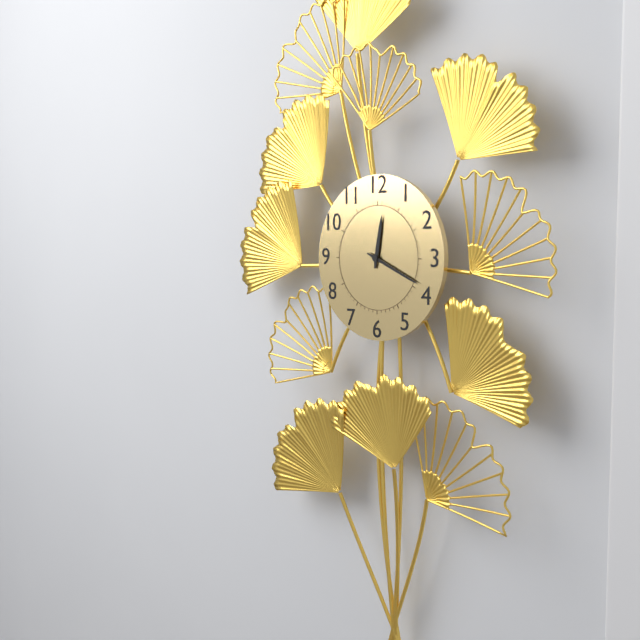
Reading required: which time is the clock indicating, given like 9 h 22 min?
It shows 12 h 19 min
